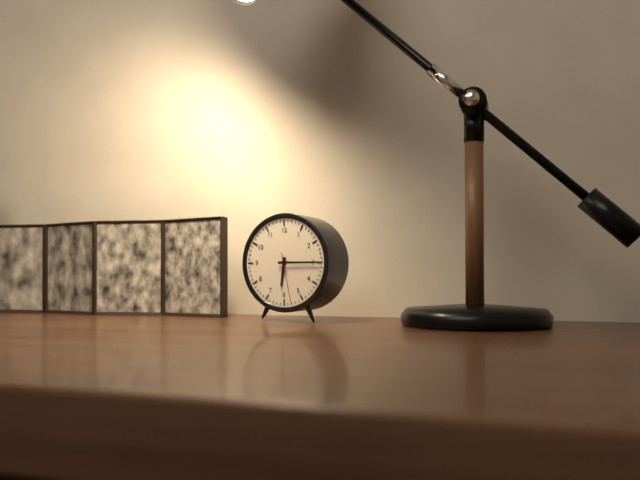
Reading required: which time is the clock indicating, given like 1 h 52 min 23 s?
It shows 6 h 15 min 28 s
